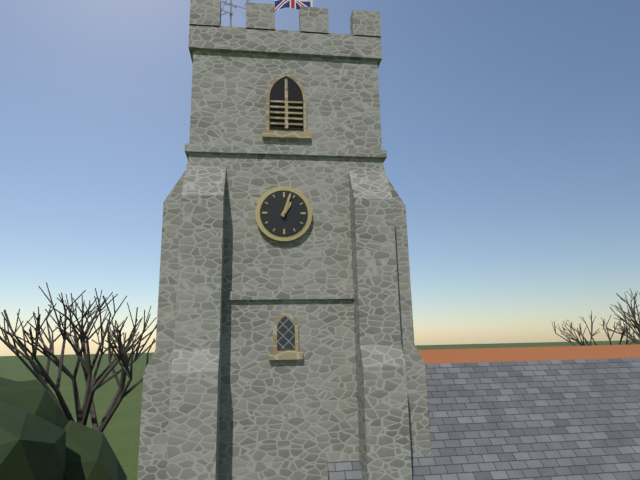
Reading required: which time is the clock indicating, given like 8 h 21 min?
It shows 1 h 03 min
